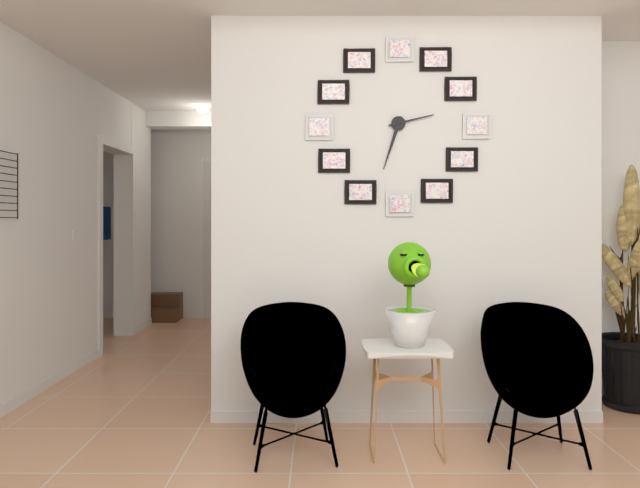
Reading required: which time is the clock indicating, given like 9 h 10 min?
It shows 2 h 33 min
